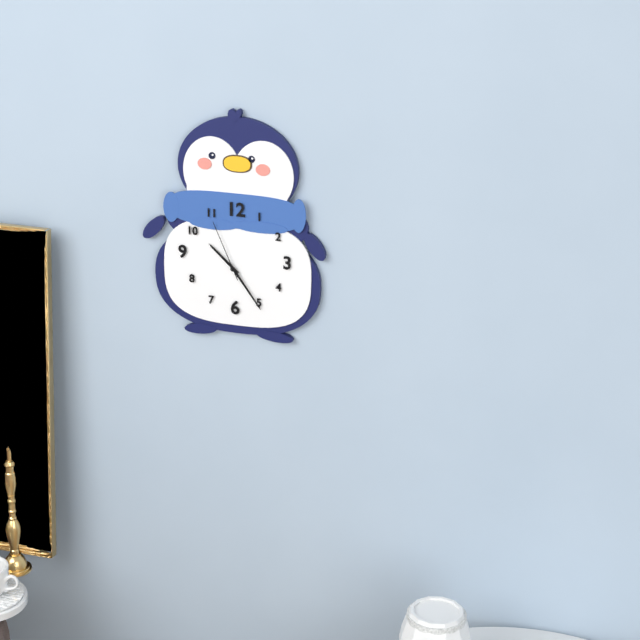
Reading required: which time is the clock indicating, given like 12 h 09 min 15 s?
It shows 10 h 24 min 56 s
